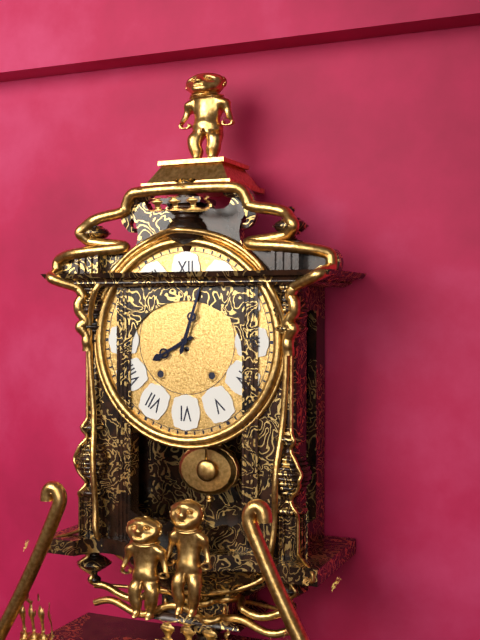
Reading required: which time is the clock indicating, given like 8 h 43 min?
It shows 8 h 03 min
